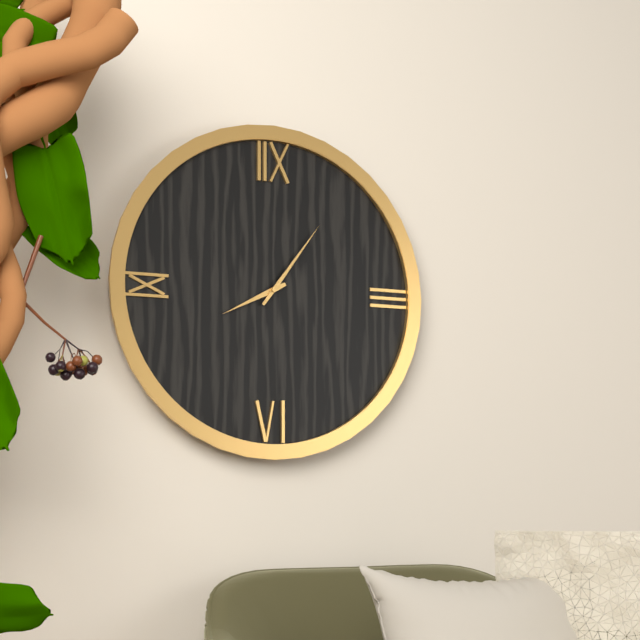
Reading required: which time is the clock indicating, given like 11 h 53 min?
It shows 8 h 06 min
